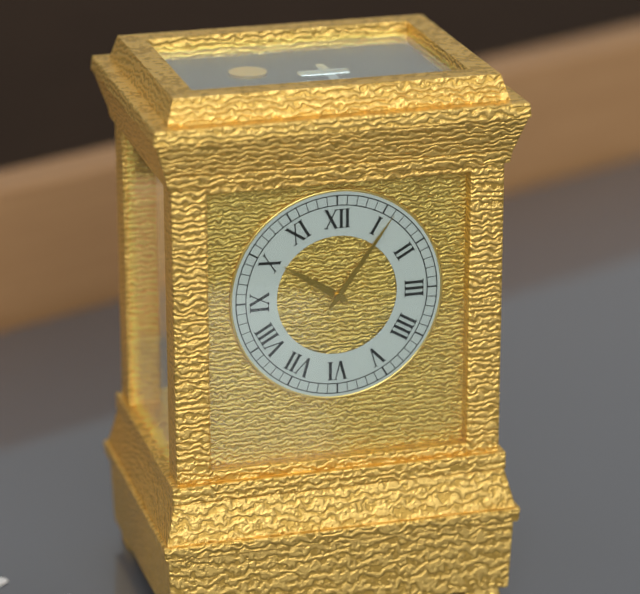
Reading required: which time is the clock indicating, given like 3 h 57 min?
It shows 10 h 06 min
